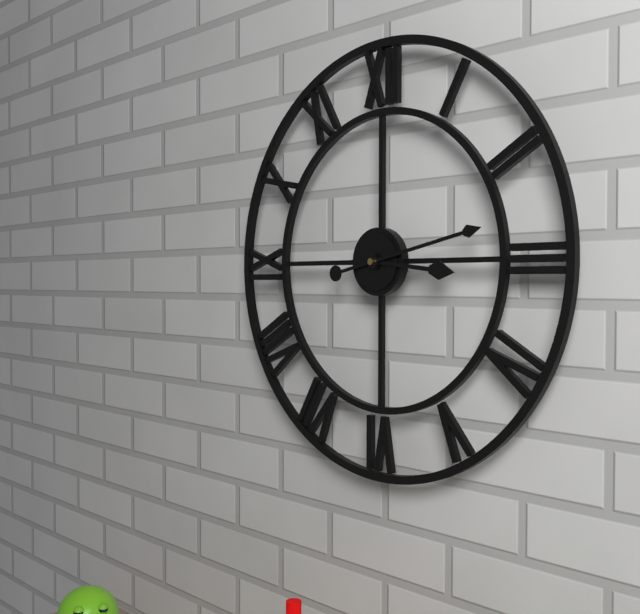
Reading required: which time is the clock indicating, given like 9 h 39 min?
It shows 3 h 13 min
